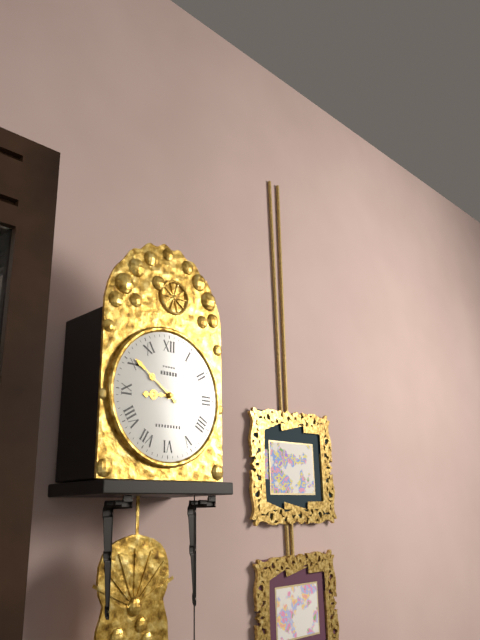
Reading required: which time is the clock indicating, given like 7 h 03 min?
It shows 8 h 51 min
